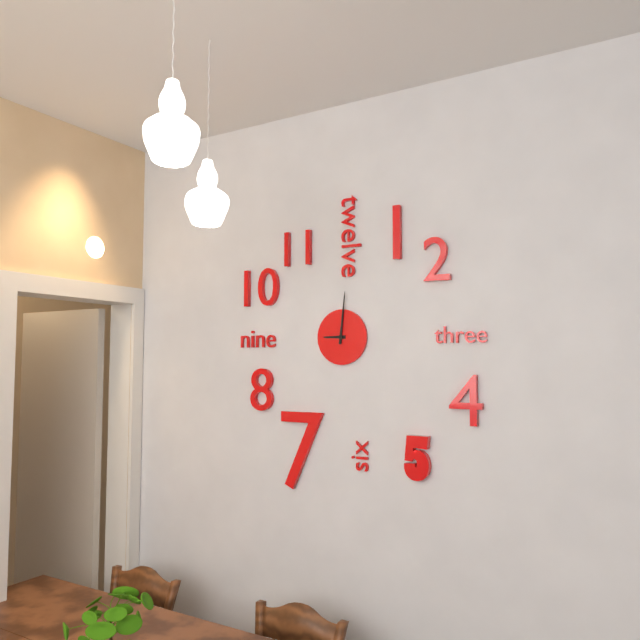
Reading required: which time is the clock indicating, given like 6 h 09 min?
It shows 9 h 01 min
